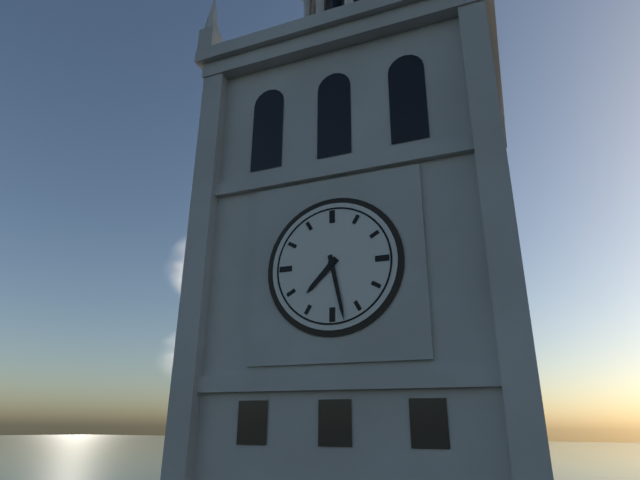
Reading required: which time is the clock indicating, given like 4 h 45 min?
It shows 7 h 28 min
